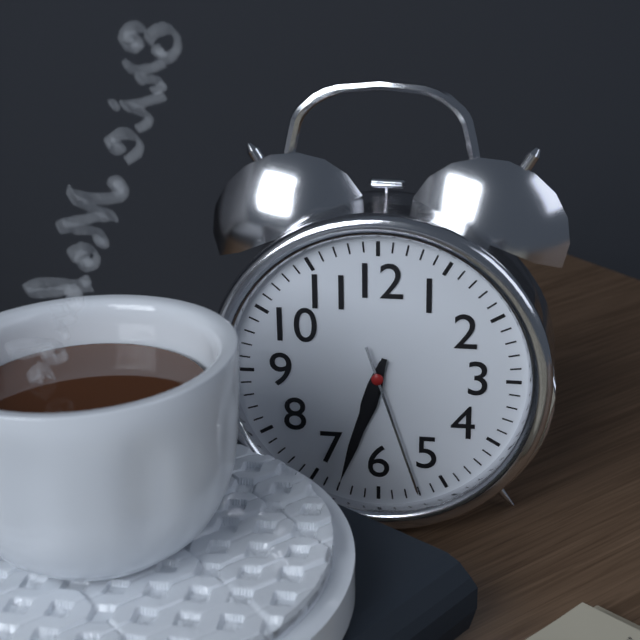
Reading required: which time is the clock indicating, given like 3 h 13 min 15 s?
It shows 6 h 33 min 27 s
